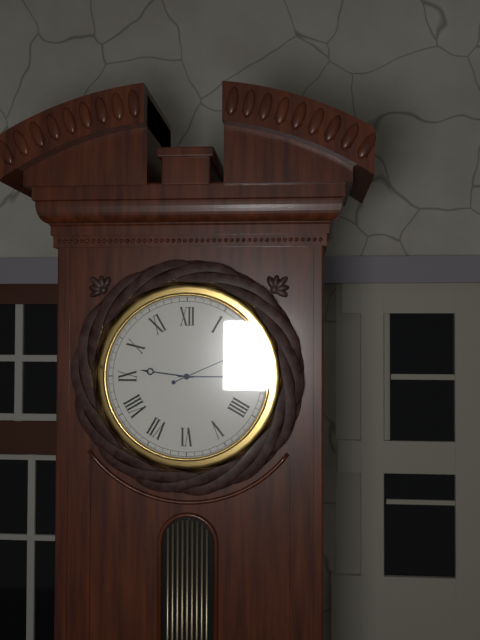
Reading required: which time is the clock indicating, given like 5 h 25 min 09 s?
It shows 9 h 15 min 11 s
